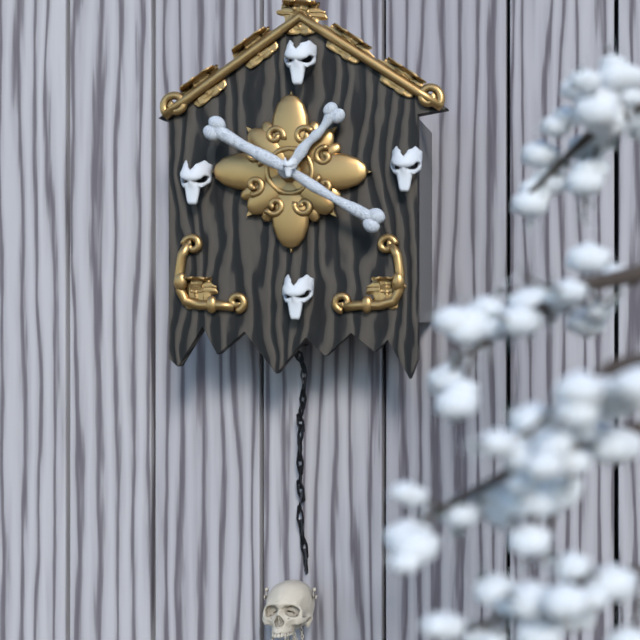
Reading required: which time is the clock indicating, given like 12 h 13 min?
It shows 1 h 20 min
